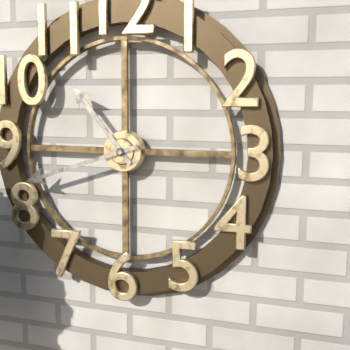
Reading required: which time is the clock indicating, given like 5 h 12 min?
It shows 10 h 42 min
